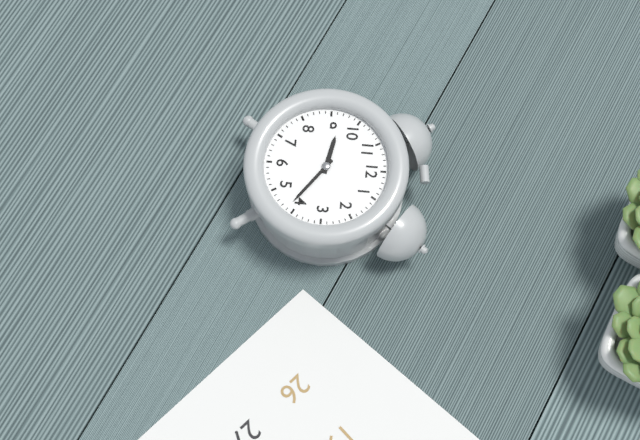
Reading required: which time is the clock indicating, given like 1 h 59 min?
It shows 9 h 21 min
